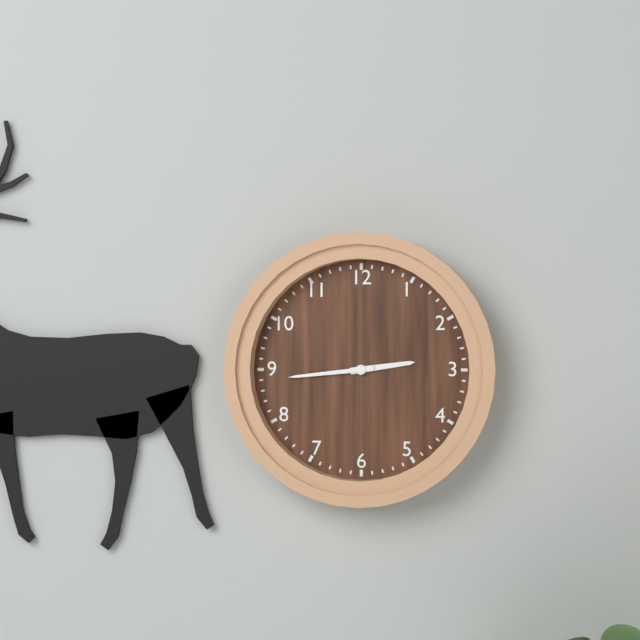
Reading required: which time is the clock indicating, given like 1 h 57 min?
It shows 2 h 44 min
